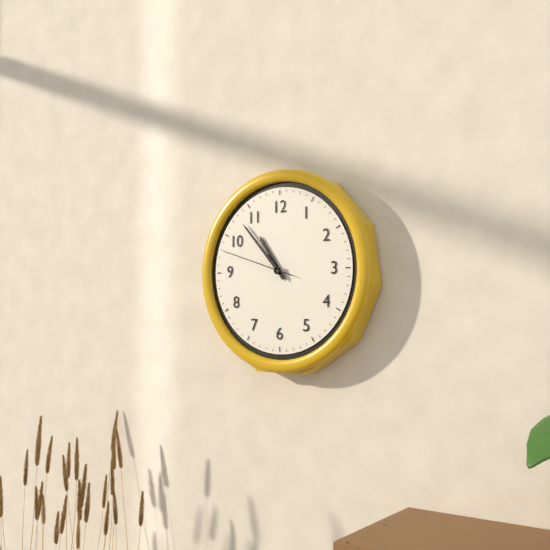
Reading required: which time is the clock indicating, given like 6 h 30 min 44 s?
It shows 10 h 53 min 48 s
